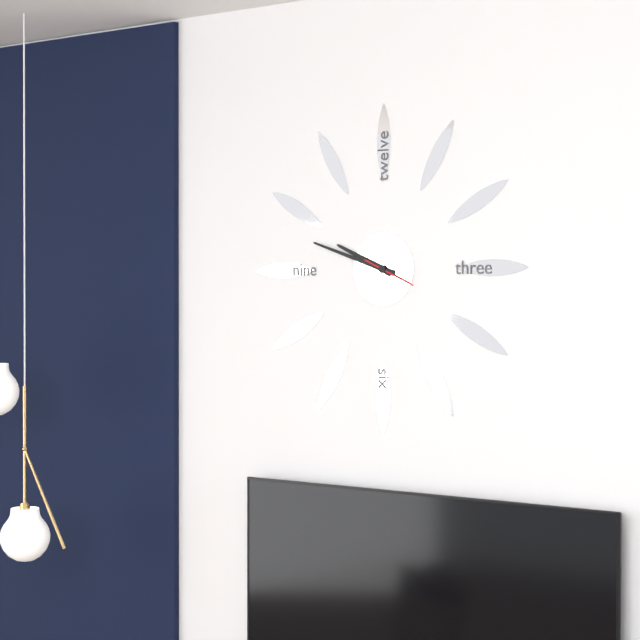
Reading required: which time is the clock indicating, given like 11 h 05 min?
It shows 9 h 48 min
